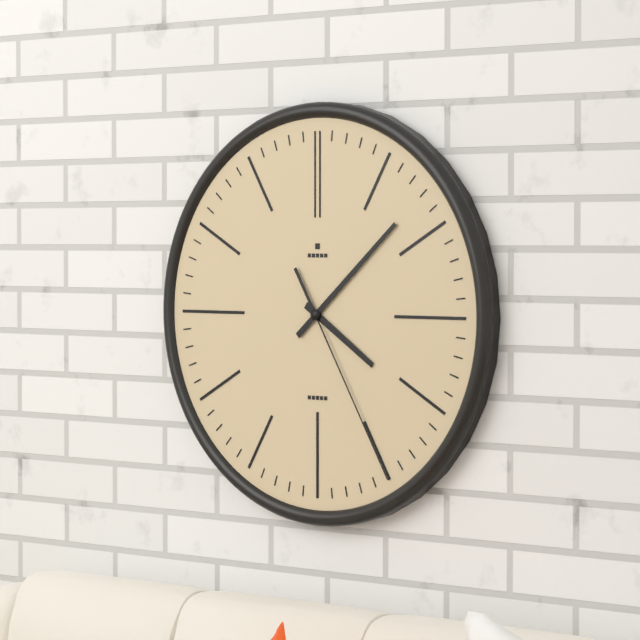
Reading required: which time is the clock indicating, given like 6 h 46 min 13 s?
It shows 4 h 08 min 25 s
